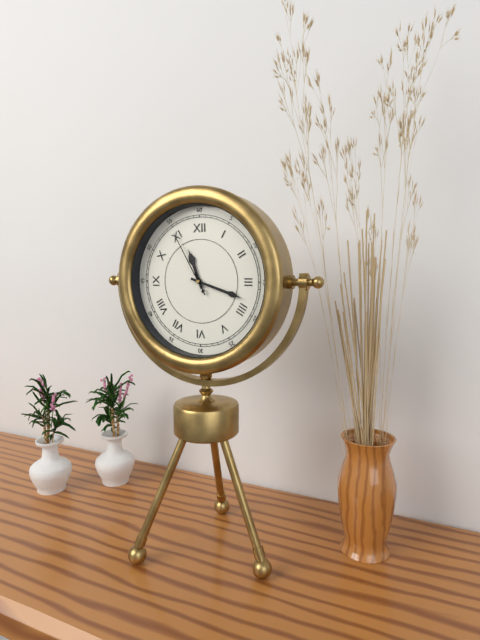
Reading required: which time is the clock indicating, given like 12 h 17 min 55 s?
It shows 11 h 18 min 55 s
